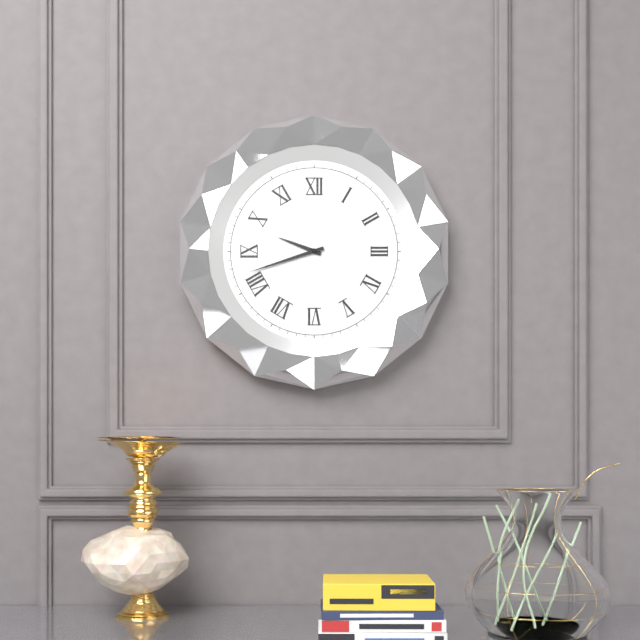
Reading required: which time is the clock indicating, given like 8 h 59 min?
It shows 9 h 42 min
